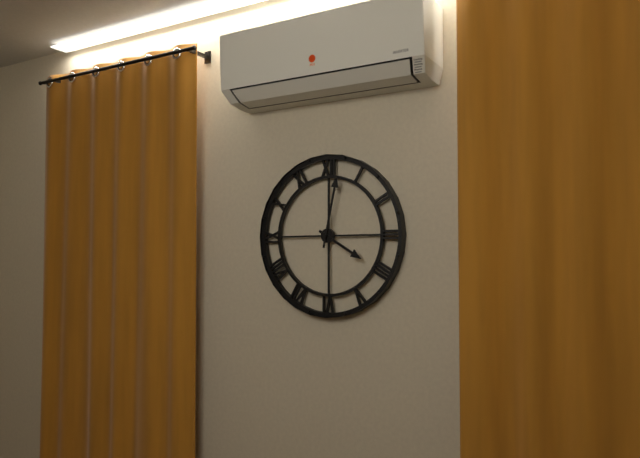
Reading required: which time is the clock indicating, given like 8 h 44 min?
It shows 4 h 02 min
